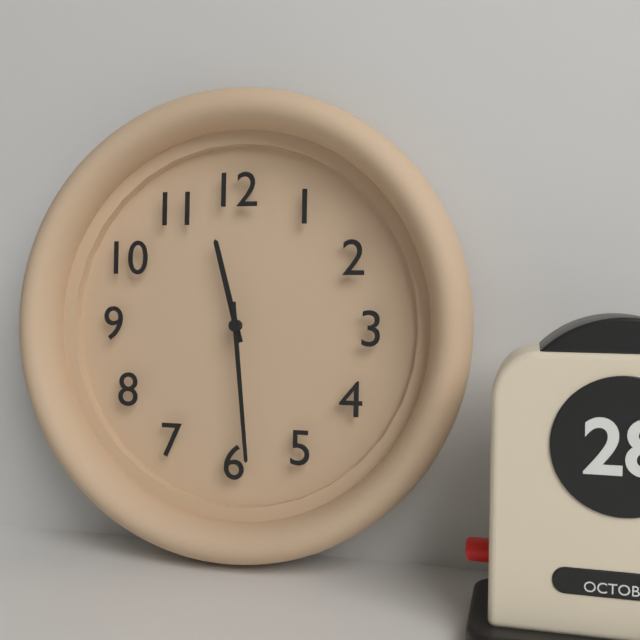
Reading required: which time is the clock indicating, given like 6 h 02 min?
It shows 11 h 29 min
